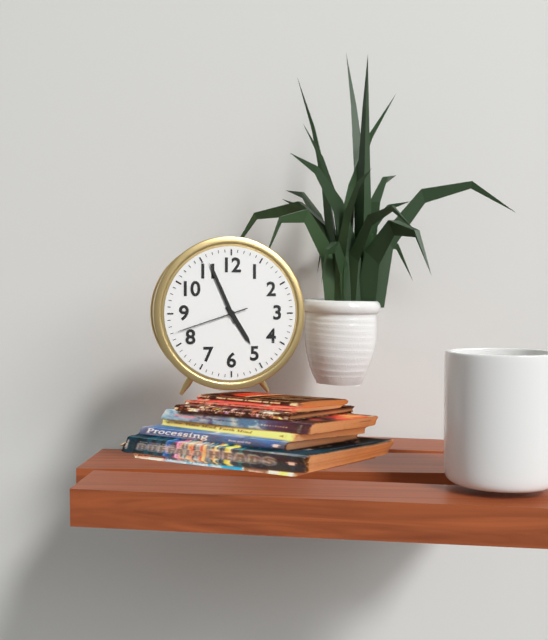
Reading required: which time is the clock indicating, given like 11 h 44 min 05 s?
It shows 4 h 56 min 42 s
